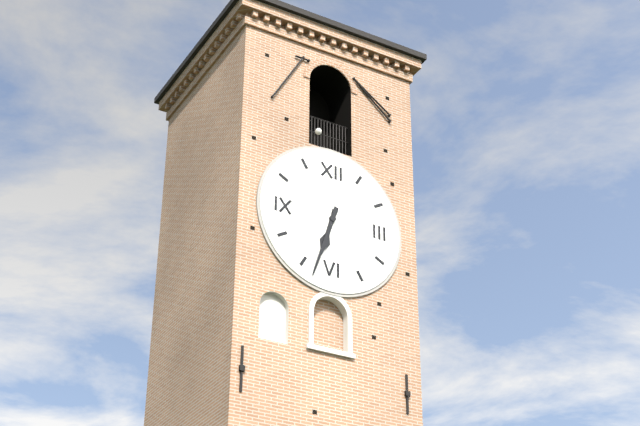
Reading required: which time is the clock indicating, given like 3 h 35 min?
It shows 6 h 33 min
